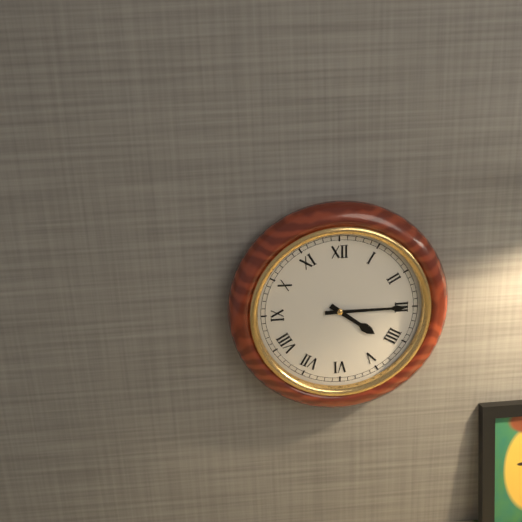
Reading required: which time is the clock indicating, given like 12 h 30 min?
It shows 4 h 15 min
